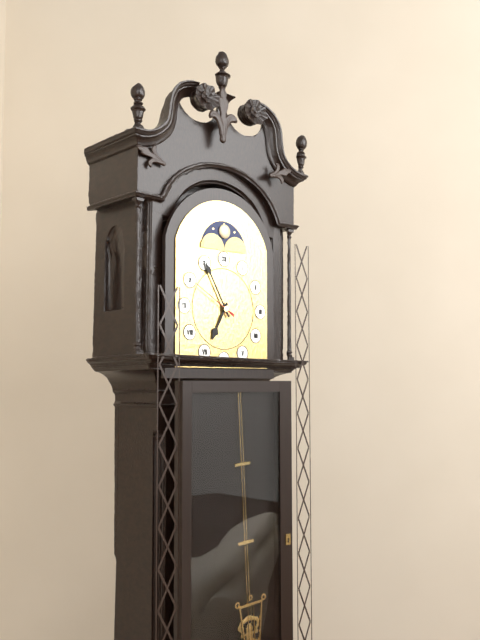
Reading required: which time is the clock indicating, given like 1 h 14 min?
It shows 6 h 55 min
